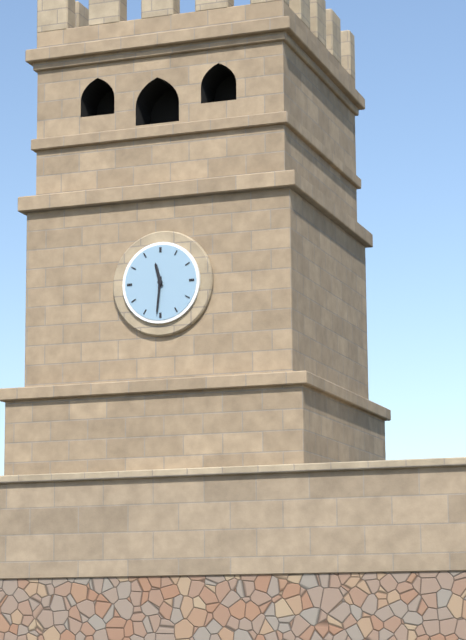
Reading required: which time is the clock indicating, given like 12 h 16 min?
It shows 11 h 31 min
